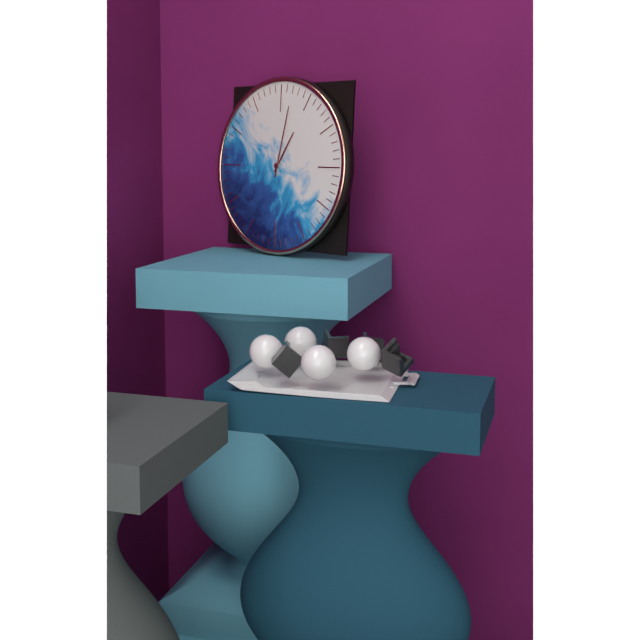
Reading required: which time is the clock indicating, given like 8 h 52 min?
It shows 1 h 02 min
